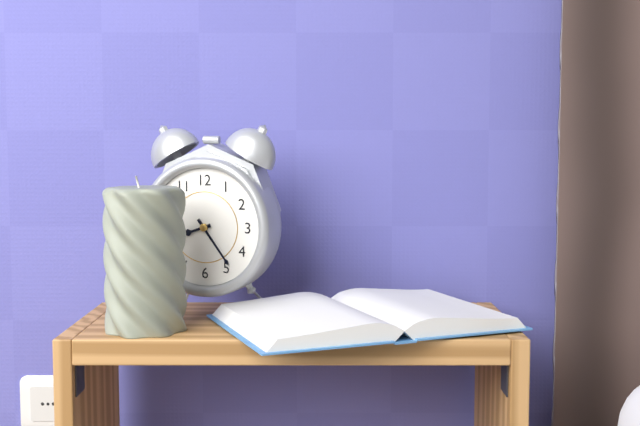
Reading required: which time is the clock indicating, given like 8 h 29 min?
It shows 8 h 24 min
